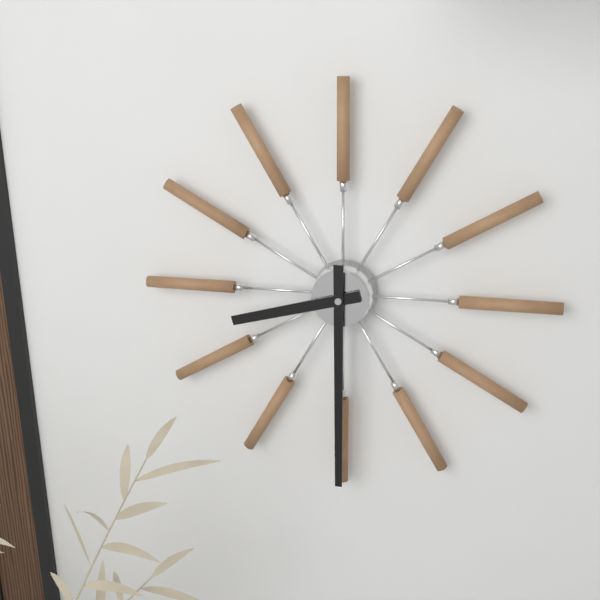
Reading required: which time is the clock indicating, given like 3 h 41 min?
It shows 8 h 30 min
